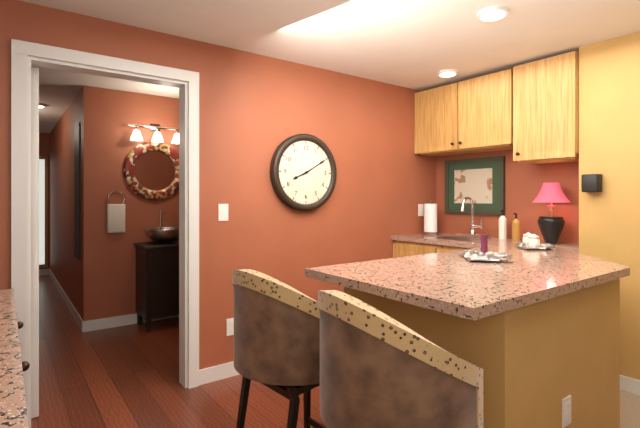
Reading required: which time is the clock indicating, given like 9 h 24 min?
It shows 8 h 10 min
